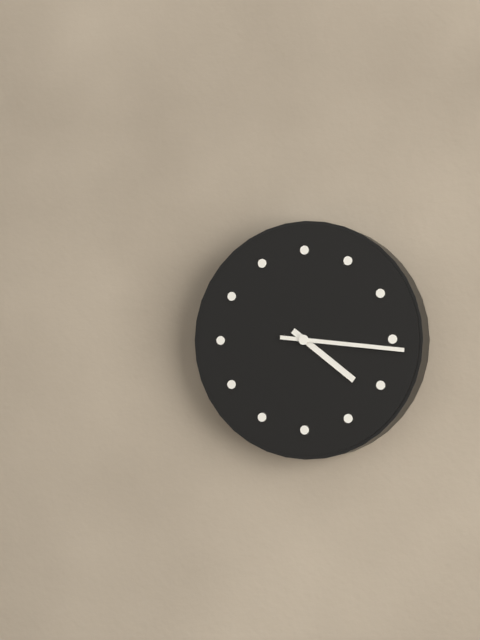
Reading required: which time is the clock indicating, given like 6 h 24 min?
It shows 4 h 16 min
